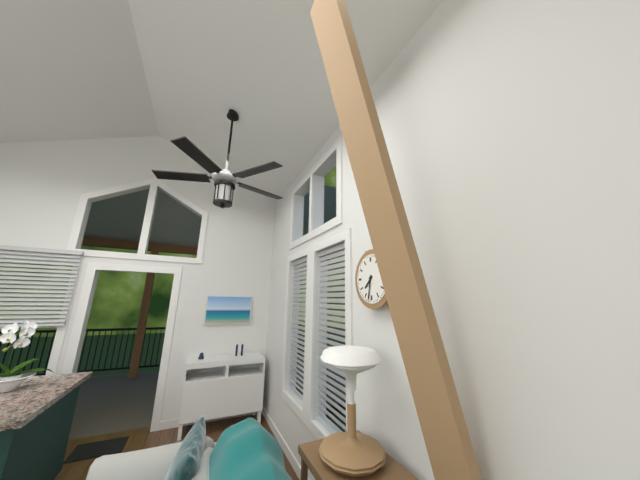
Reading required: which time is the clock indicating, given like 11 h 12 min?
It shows 7 h 32 min
